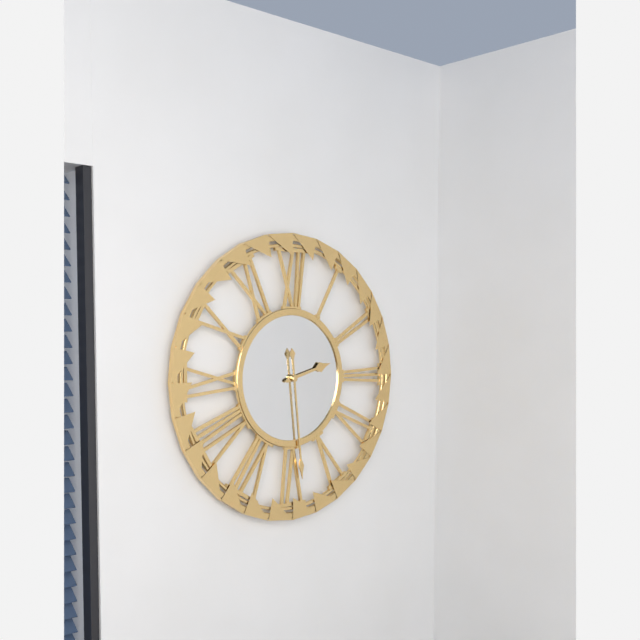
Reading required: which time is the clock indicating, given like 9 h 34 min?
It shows 2 h 29 min
